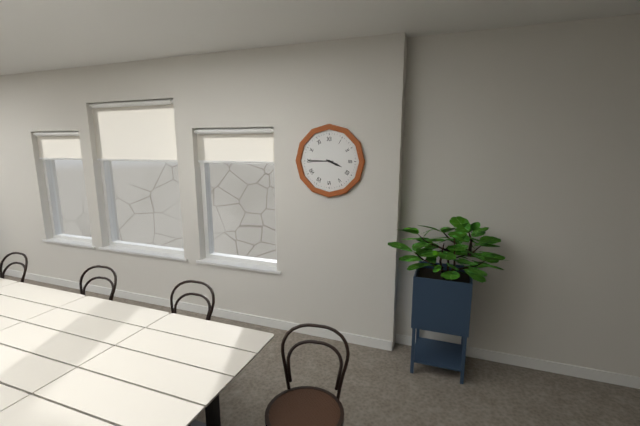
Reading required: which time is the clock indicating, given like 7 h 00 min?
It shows 3 h 45 min
